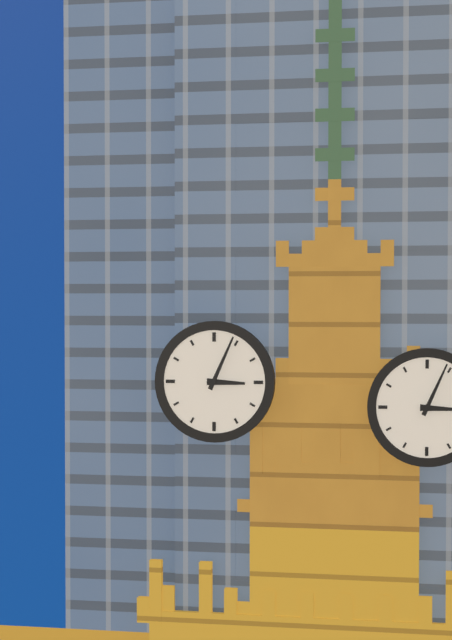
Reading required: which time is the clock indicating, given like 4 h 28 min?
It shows 3 h 04 min
